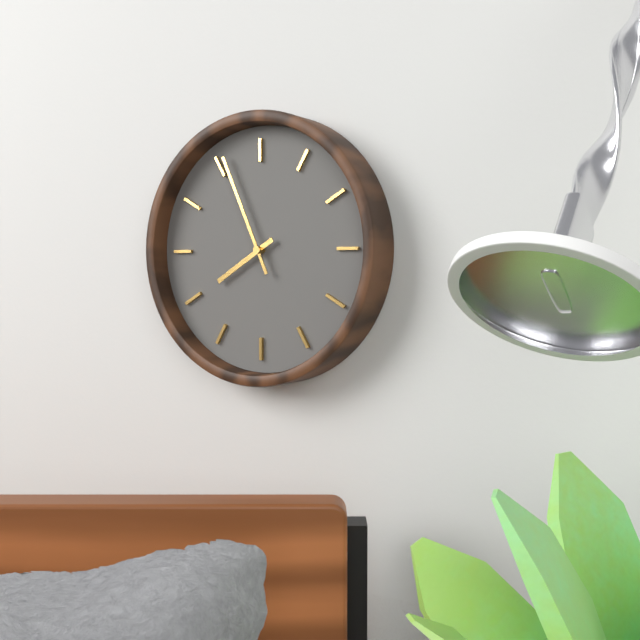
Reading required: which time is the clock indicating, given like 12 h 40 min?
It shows 7 h 56 min
